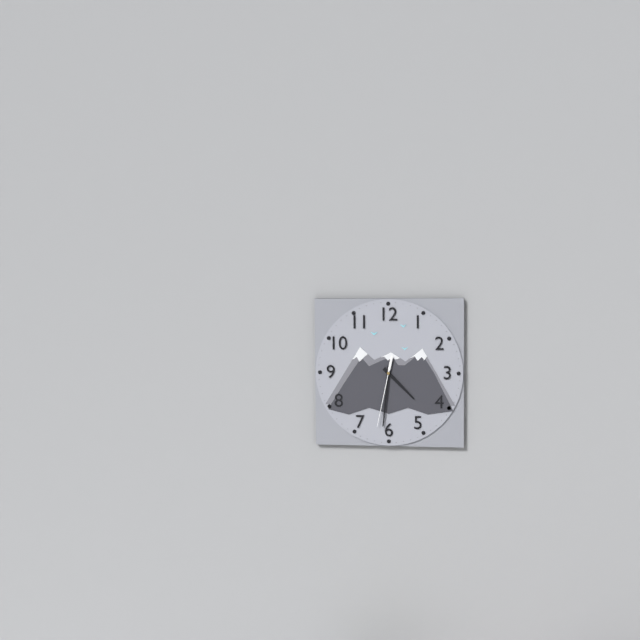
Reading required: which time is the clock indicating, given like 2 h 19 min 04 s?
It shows 4 h 31 min 32 s
